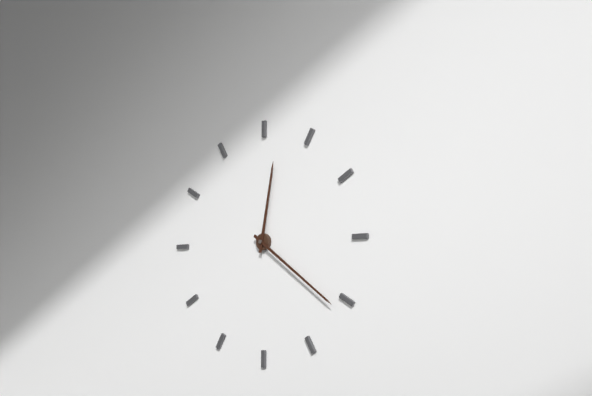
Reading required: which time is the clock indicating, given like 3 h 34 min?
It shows 12 h 21 min
